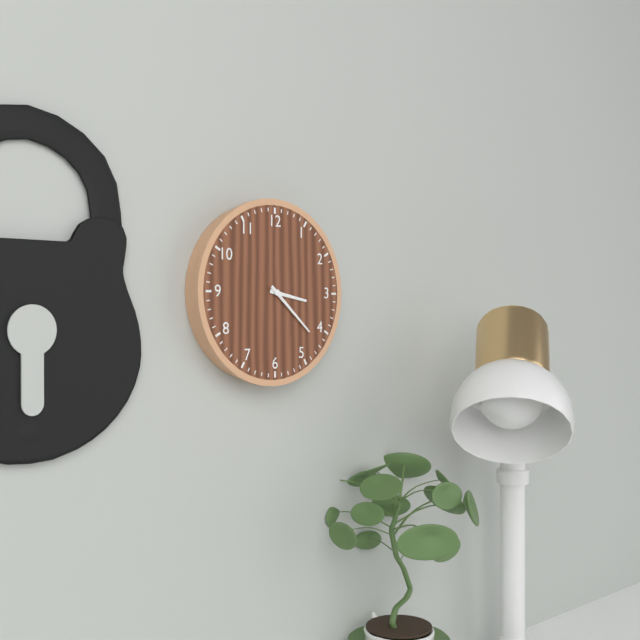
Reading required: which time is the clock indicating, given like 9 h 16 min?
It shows 3 h 22 min
